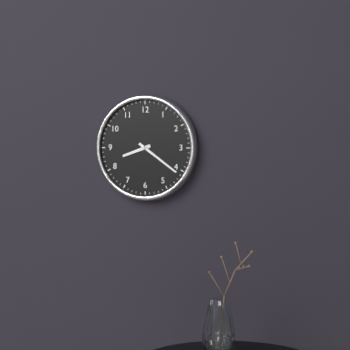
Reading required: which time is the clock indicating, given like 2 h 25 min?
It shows 8 h 21 min
